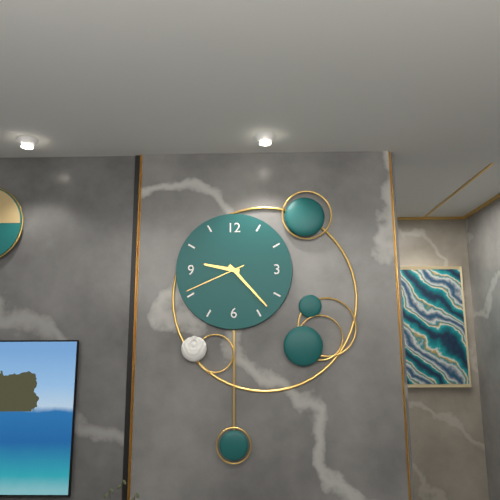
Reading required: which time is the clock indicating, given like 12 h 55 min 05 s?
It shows 9 h 23 min 41 s
